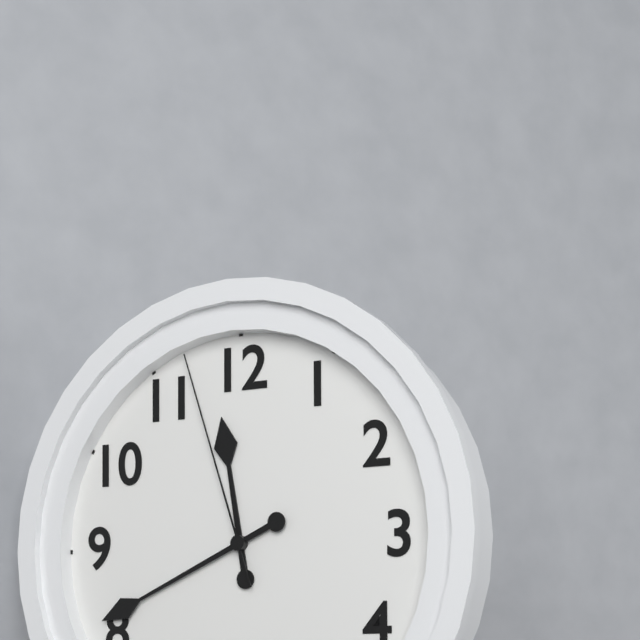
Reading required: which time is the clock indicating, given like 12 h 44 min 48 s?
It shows 11 h 41 min 57 s
